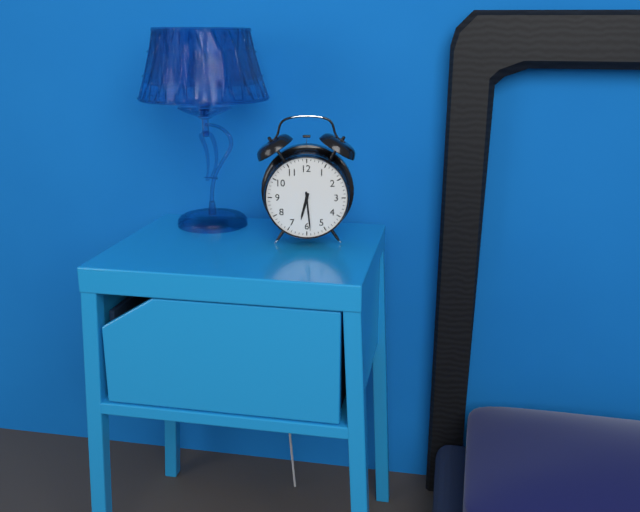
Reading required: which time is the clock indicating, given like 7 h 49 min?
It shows 6 h 29 min
